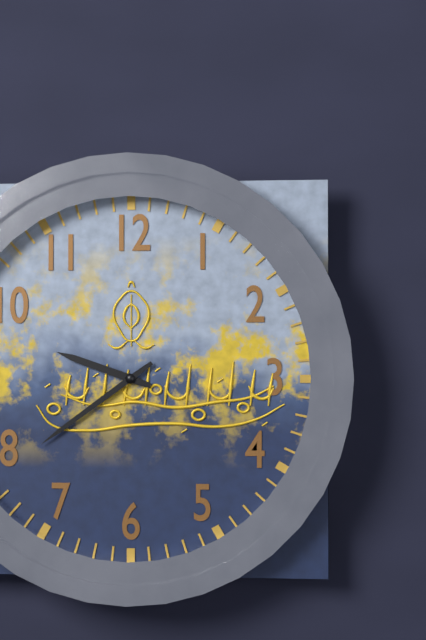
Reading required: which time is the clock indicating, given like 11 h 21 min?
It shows 9 h 39 min
